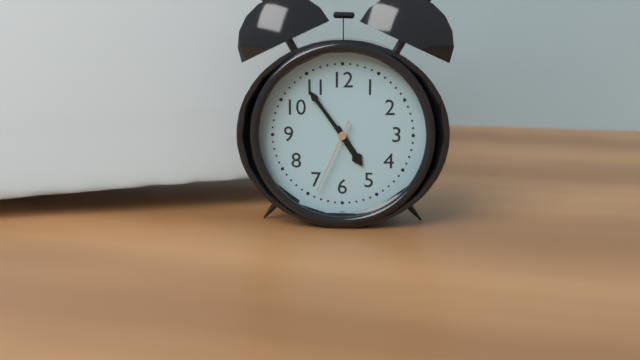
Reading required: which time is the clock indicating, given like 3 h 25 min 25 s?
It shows 4 h 54 min 34 s
